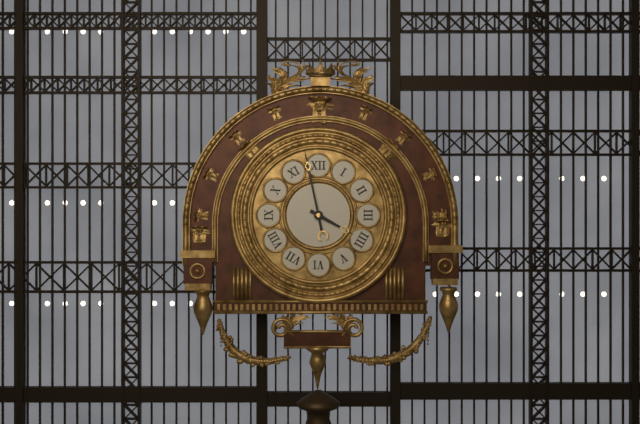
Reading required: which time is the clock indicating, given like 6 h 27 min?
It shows 3 h 58 min
